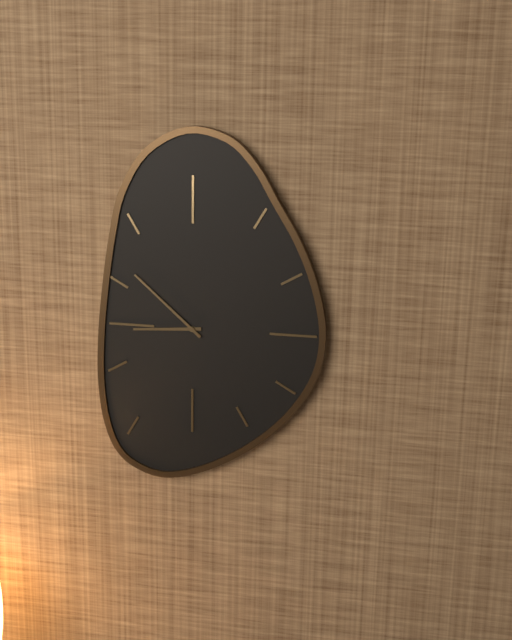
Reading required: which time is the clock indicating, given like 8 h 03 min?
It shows 8 h 52 min
